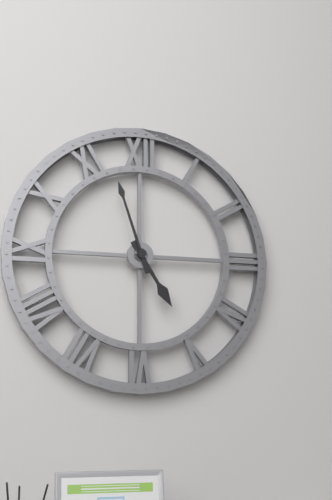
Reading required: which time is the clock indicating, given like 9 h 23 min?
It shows 4 h 57 min
